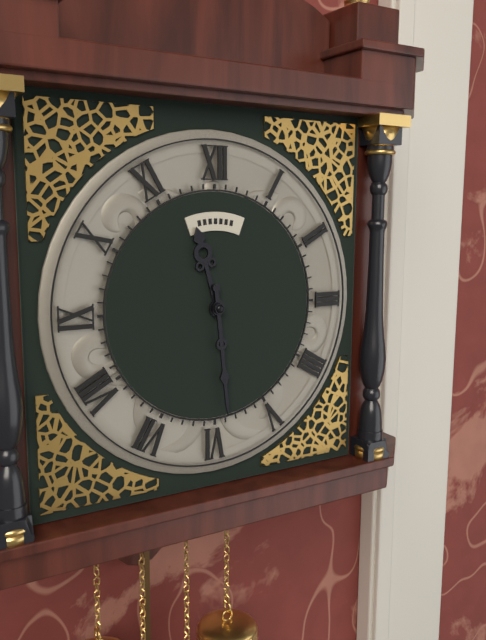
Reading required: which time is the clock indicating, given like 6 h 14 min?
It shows 11 h 29 min
